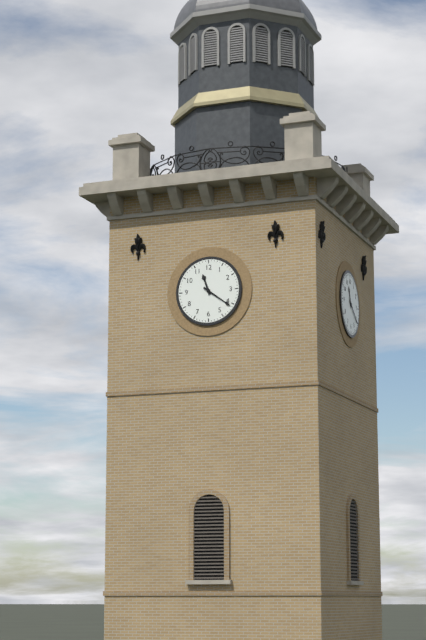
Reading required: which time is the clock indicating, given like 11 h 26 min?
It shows 11 h 21 min
